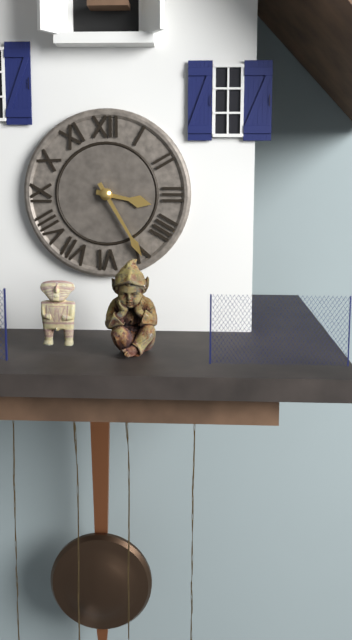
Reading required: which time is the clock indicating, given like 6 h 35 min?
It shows 3 h 25 min
